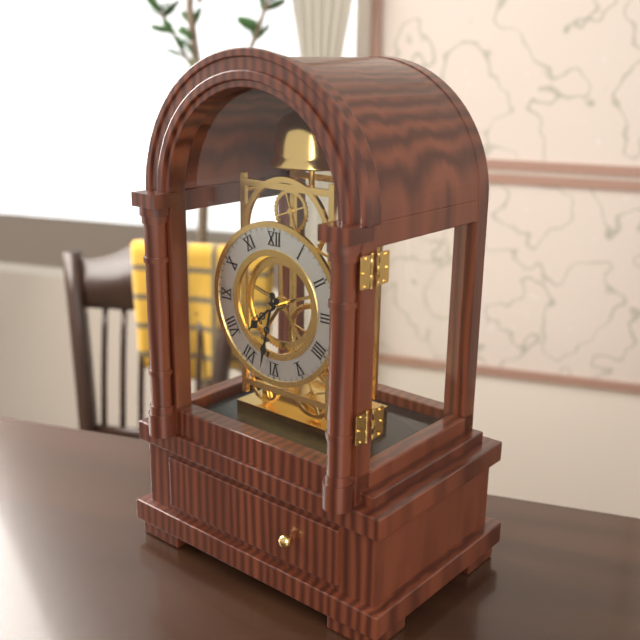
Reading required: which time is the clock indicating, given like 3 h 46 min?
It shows 7 h 32 min
